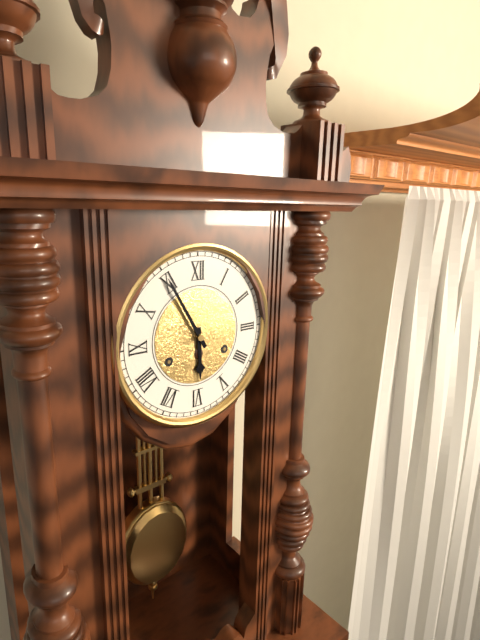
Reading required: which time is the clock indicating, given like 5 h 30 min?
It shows 5 h 55 min
